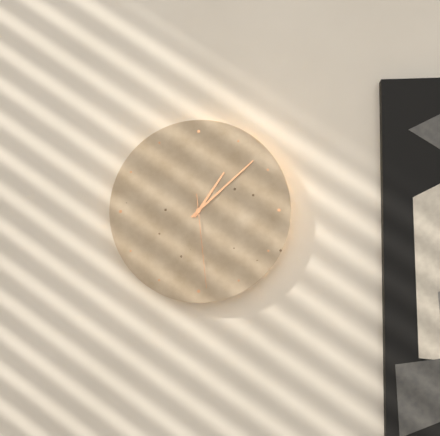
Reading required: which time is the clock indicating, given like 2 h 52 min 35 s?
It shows 1 h 08 min 29 s
